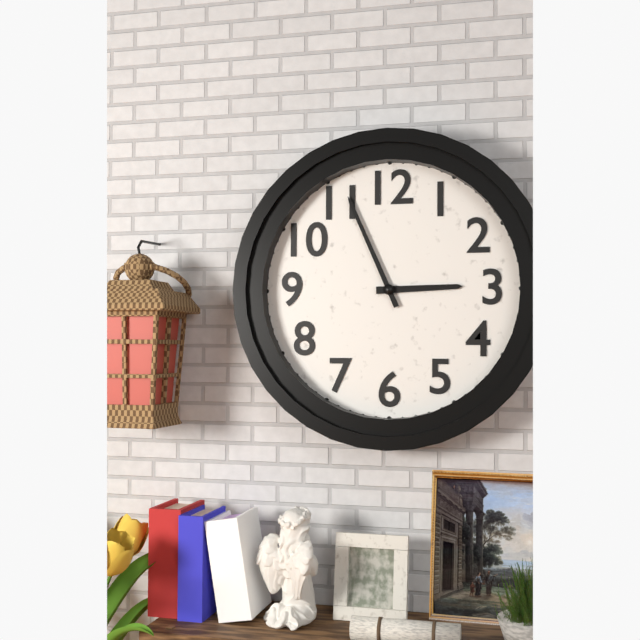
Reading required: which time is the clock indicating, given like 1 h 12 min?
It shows 2 h 56 min
